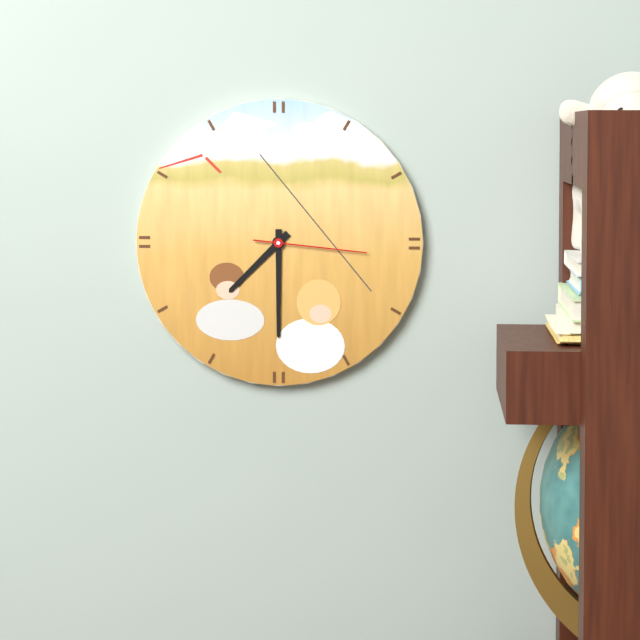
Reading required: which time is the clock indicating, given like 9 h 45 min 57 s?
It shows 7 h 30 min 16 s
